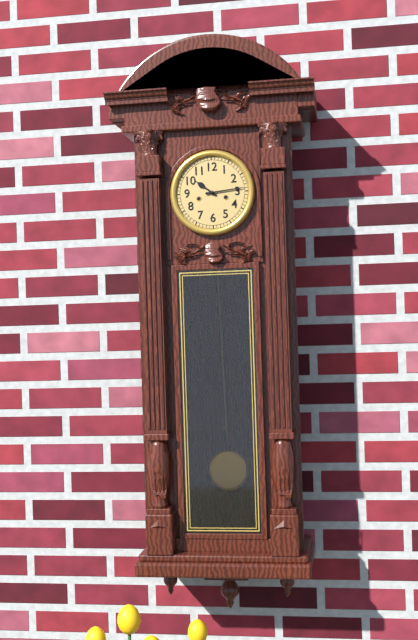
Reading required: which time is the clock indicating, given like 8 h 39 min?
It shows 10 h 14 min
